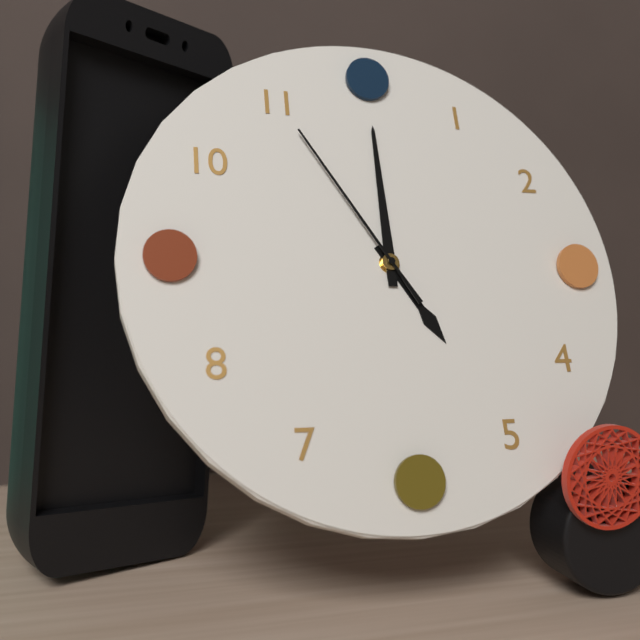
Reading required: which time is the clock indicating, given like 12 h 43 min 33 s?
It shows 5 h 00 min 55 s
